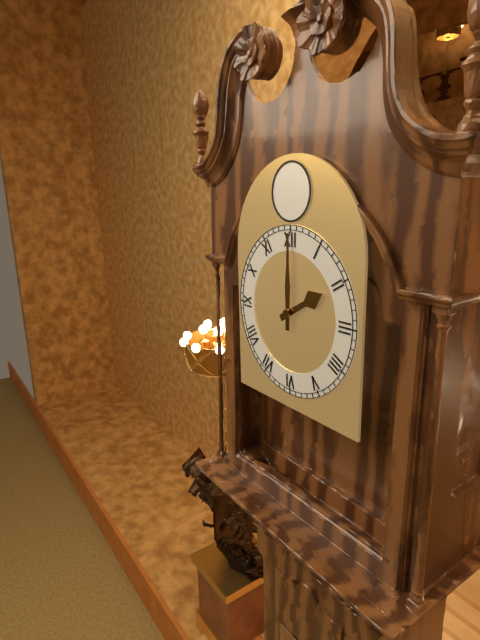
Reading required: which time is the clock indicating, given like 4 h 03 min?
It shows 2 h 00 min
